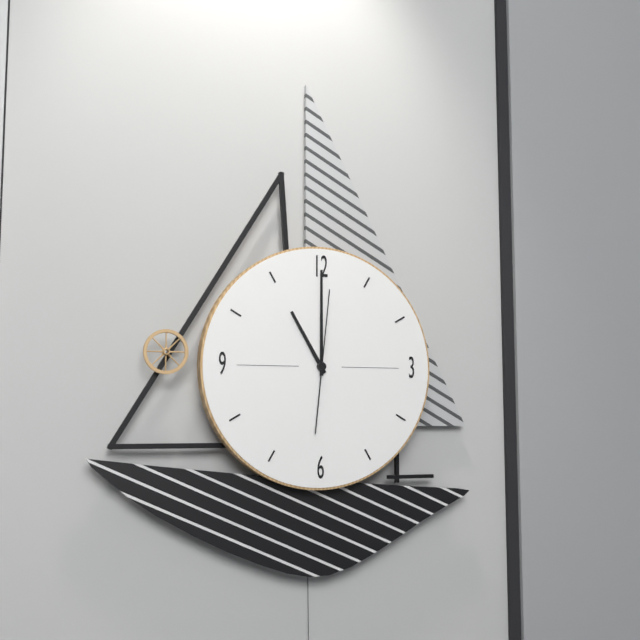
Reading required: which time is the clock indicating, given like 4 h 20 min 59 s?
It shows 11 h 00 min 01 s
